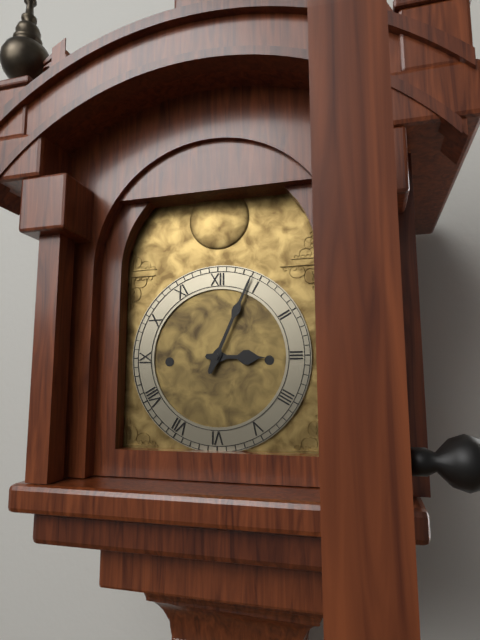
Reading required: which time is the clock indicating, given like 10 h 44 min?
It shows 3 h 04 min
